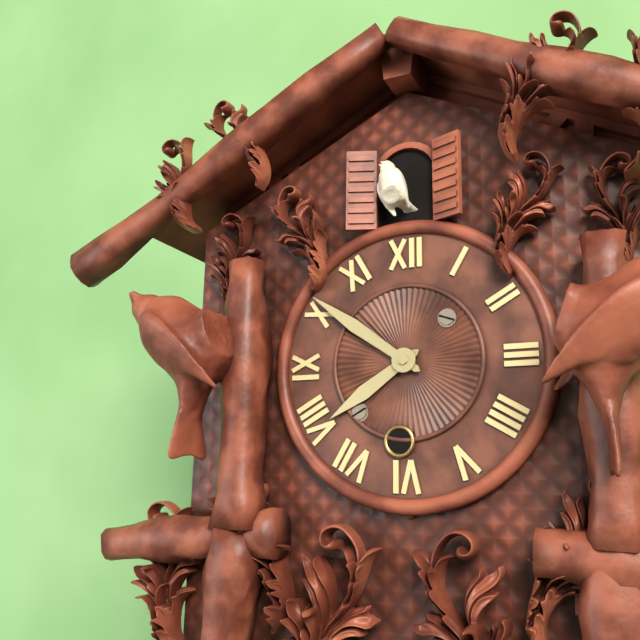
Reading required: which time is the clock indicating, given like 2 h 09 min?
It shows 7 h 51 min
